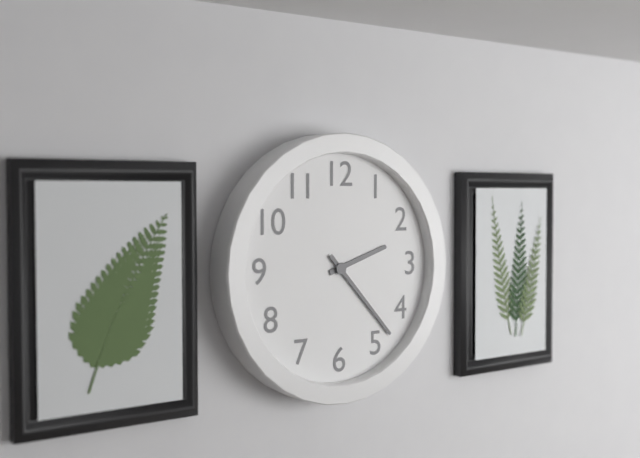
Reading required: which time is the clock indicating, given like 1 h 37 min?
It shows 2 h 23 min
